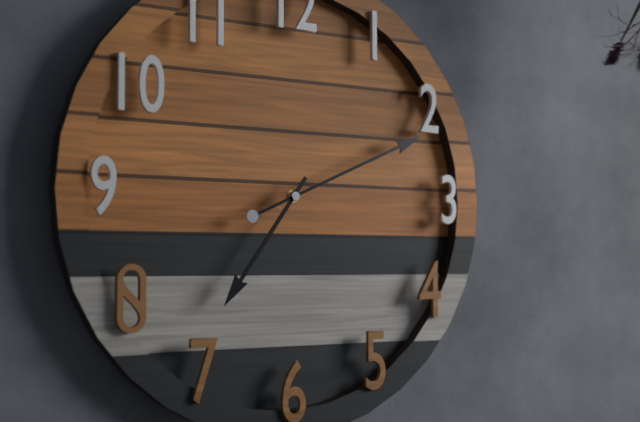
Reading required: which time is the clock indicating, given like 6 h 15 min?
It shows 7 h 11 min
